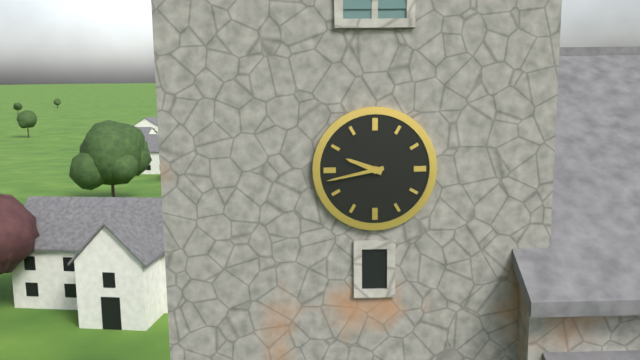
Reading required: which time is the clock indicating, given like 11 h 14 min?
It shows 9 h 43 min
